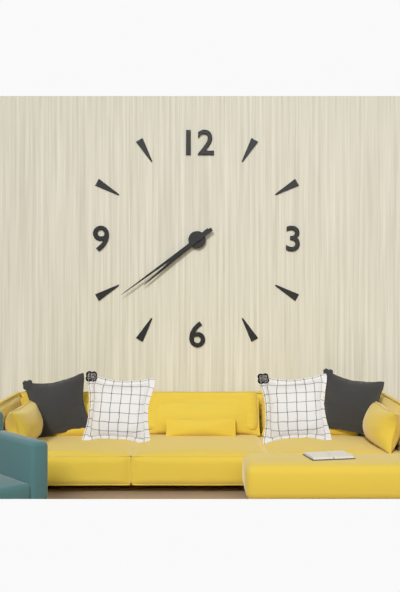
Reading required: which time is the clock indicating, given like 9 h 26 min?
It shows 7 h 39 min
